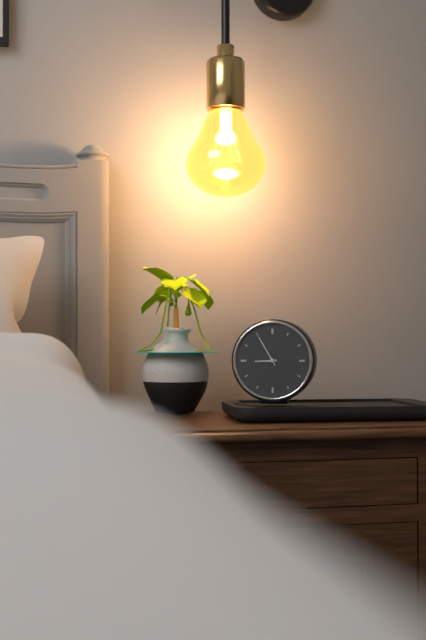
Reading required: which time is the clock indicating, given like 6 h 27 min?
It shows 8 h 55 min
